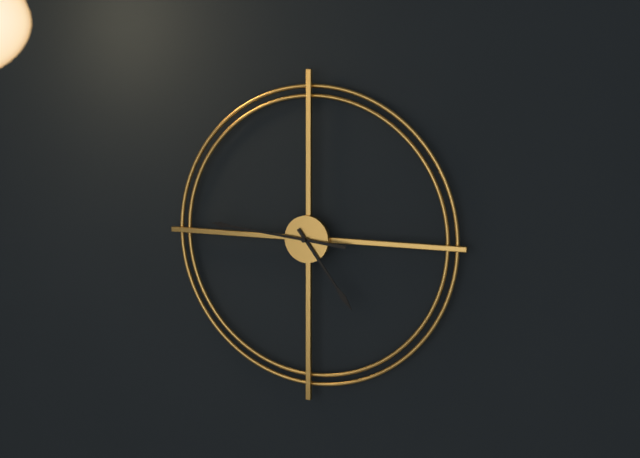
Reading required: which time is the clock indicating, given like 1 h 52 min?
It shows 4 h 46 min
